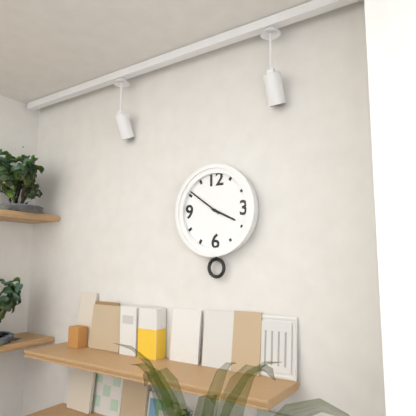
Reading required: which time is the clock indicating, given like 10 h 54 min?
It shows 3 h 51 min
